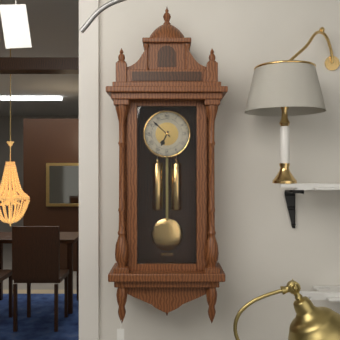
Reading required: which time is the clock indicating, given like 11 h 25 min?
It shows 6 h 52 min
